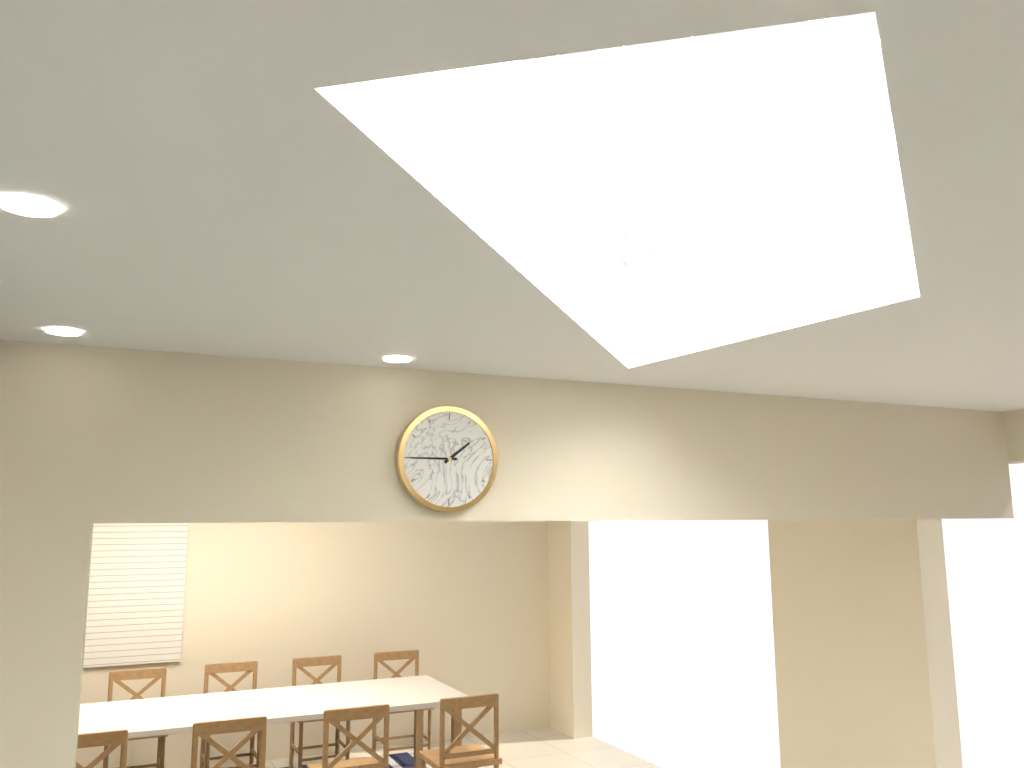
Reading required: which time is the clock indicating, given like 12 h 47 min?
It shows 1 h 45 min
